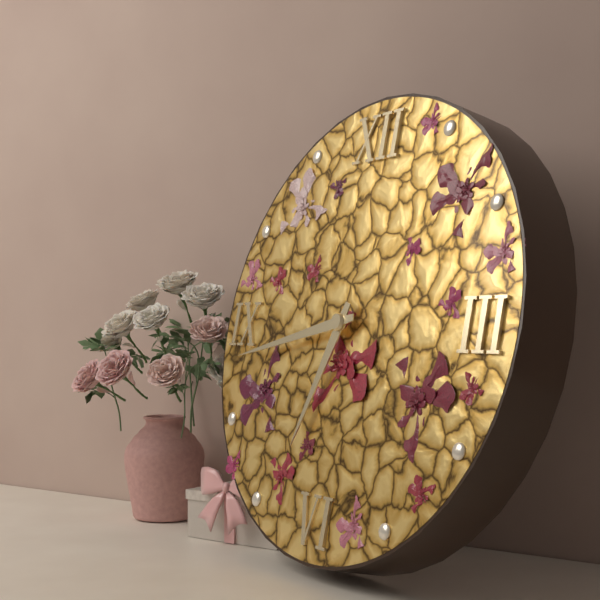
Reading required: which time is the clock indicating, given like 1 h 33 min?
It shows 6 h 43 min
